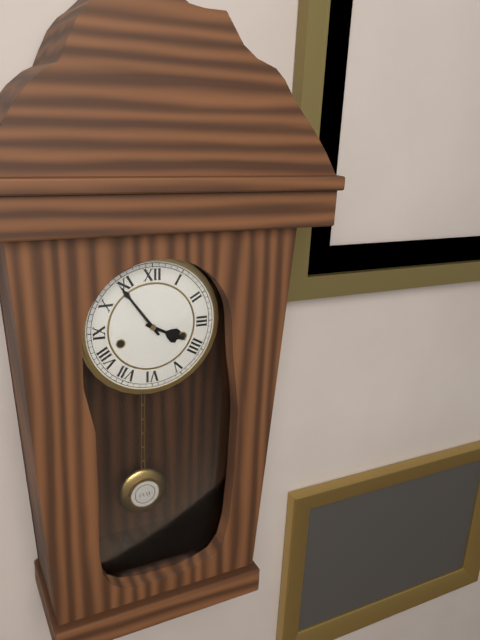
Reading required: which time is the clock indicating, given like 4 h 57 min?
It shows 3 h 54 min
